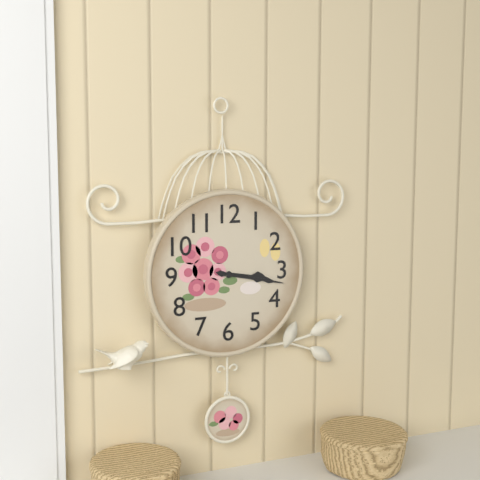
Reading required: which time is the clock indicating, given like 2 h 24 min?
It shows 3 h 17 min
